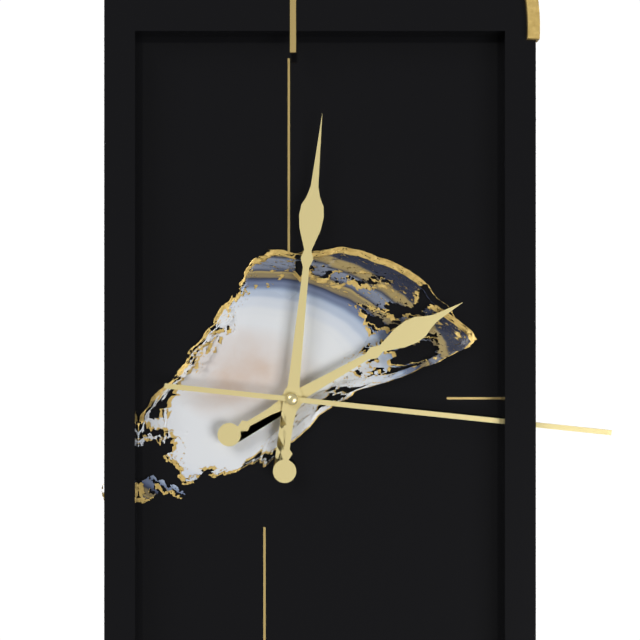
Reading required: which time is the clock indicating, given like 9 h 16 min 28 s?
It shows 2 h 01 min 16 s
